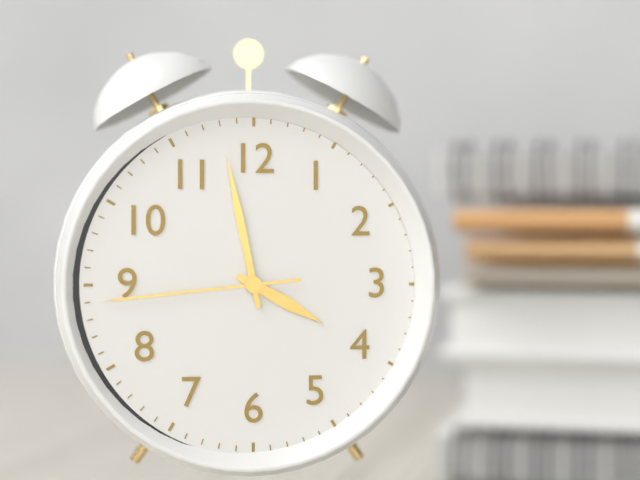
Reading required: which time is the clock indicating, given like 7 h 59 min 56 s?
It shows 3 h 58 min 44 s
